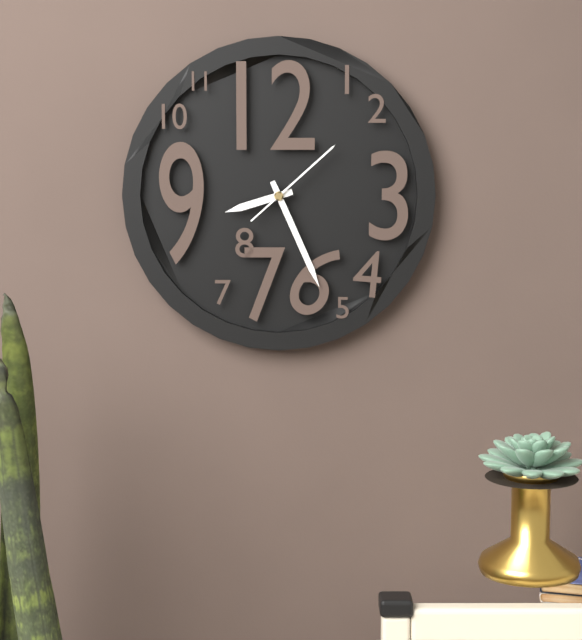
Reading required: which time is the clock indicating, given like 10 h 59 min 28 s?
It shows 8 h 26 min 08 s
